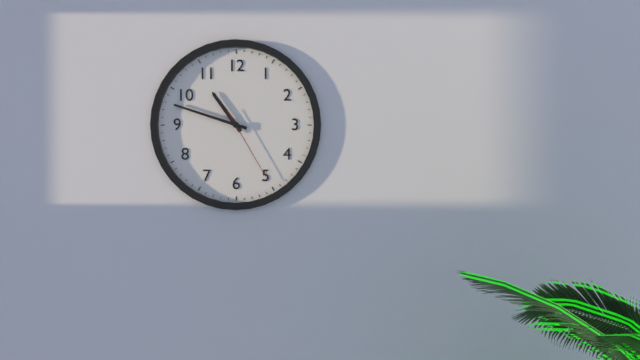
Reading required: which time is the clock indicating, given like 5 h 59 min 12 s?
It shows 10 h 48 min 25 s
